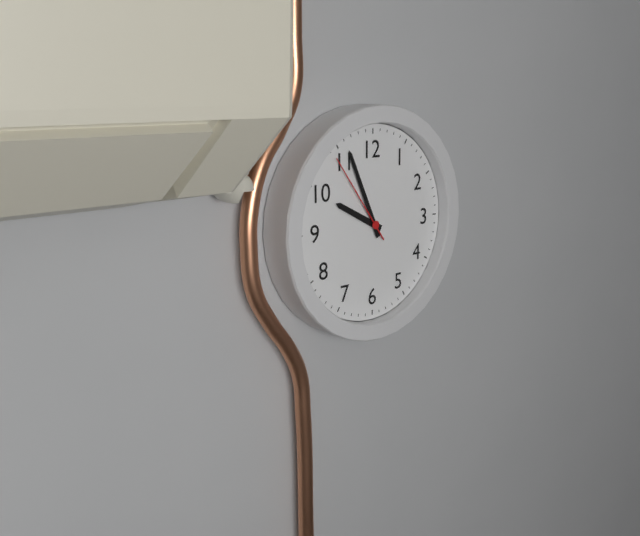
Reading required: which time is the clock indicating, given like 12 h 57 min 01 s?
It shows 9 h 56 min 54 s
